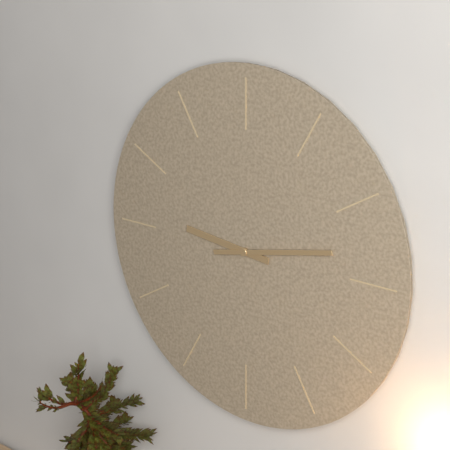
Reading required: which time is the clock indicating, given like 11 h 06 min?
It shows 9 h 13 min
